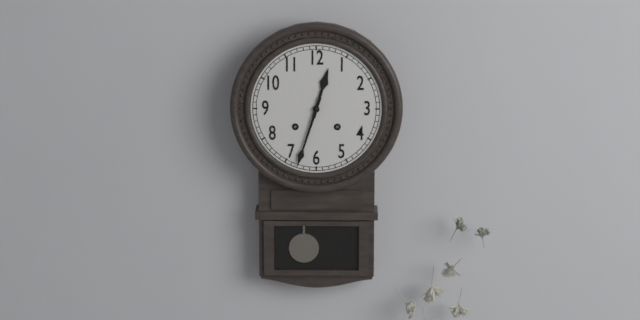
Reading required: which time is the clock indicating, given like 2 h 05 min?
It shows 12 h 33 min
